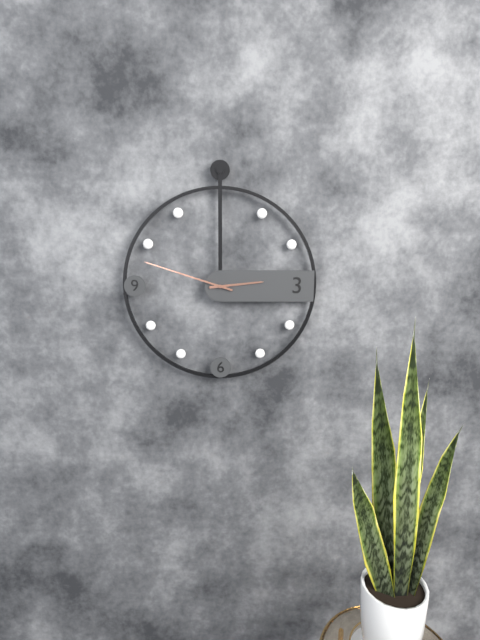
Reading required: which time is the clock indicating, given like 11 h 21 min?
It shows 2 h 48 min
